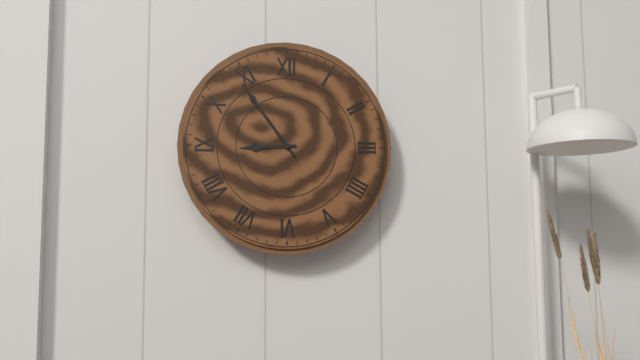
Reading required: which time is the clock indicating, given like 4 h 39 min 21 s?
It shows 8 h 54 min 54 s
